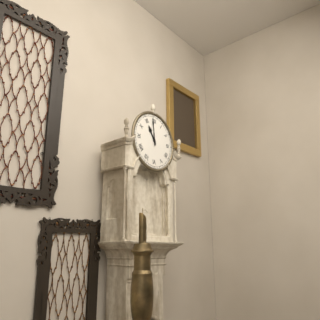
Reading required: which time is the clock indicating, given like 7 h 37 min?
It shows 10 h 59 min
